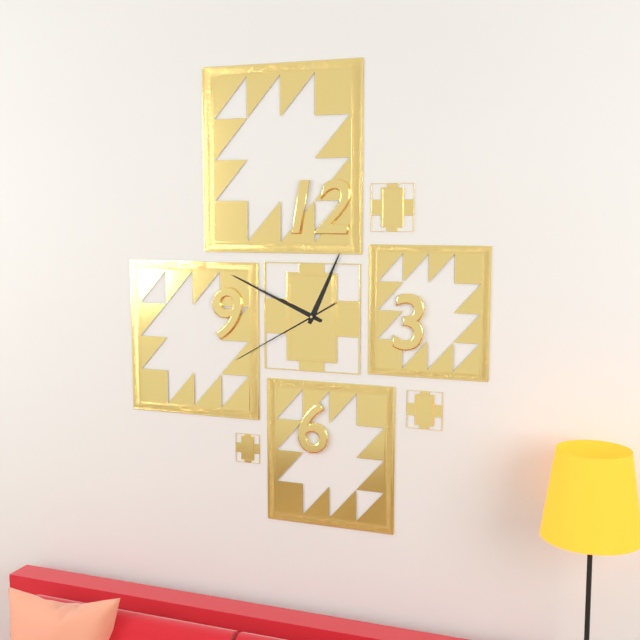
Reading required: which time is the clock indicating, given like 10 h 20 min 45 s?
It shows 12 h 49 min 40 s
